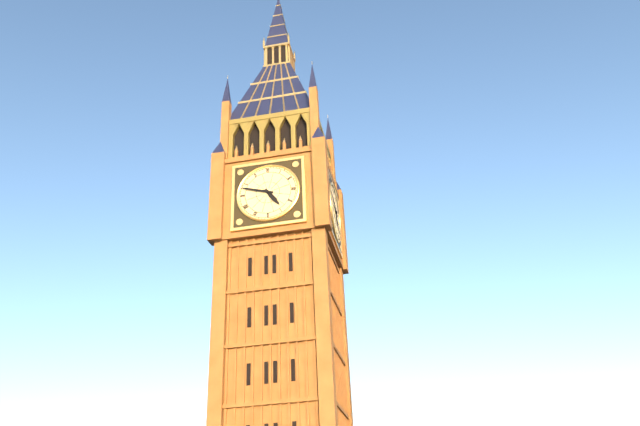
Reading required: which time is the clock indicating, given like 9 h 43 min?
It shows 4 h 48 min
